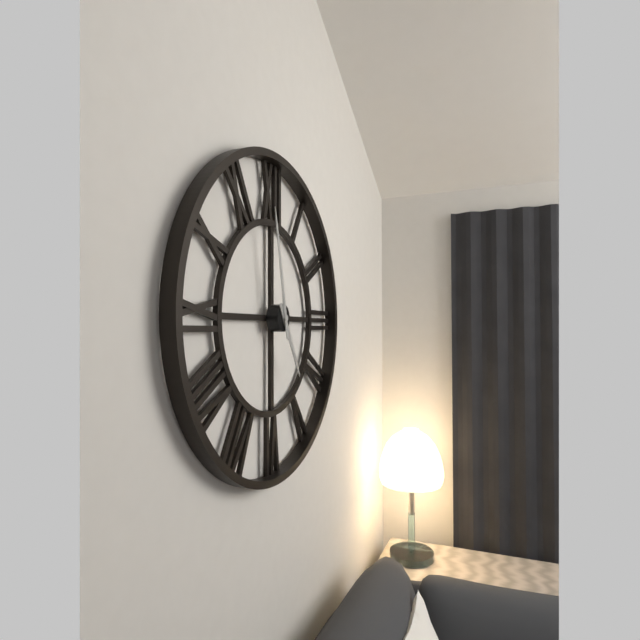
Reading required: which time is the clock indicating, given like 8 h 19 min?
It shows 4 h 58 min
